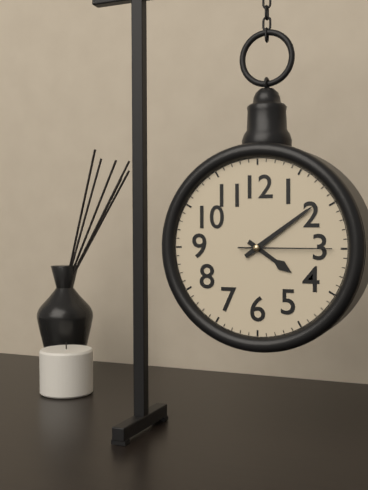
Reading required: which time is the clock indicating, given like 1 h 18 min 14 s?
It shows 4 h 09 min 15 s
